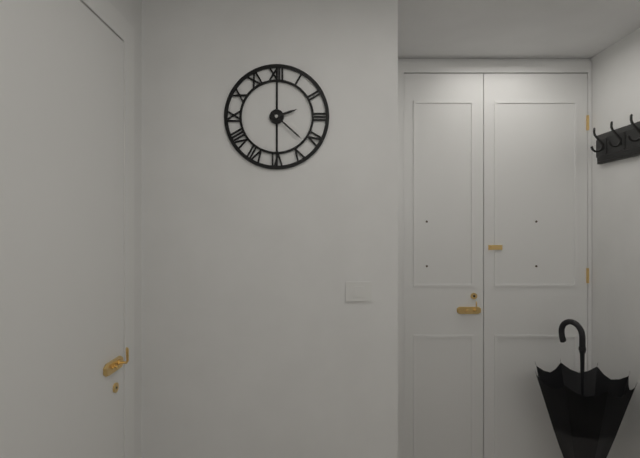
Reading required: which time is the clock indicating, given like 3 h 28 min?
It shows 2 h 22 min
